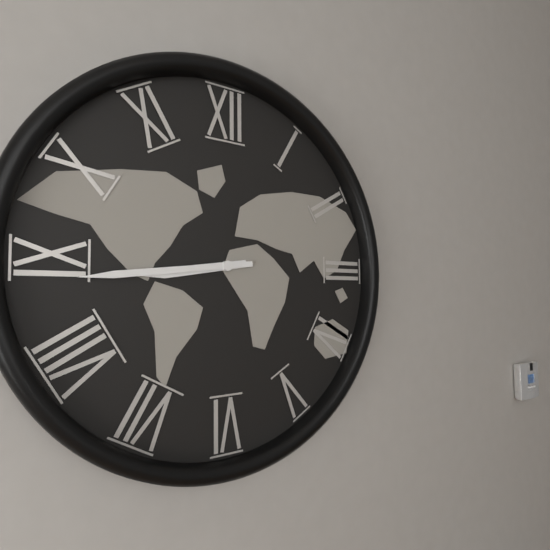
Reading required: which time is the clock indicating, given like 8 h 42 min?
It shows 8 h 44 min
